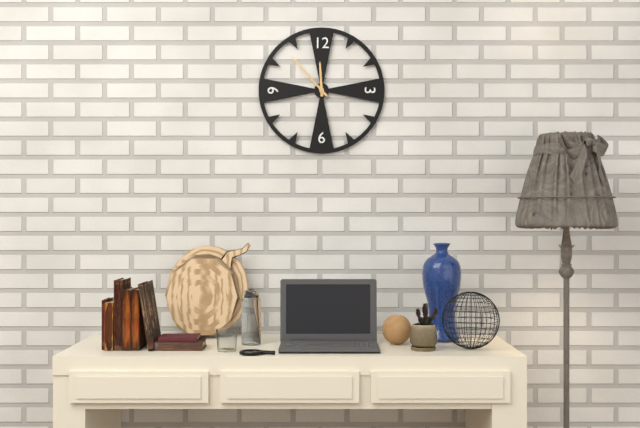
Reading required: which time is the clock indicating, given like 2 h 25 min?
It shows 11 h 53 min
